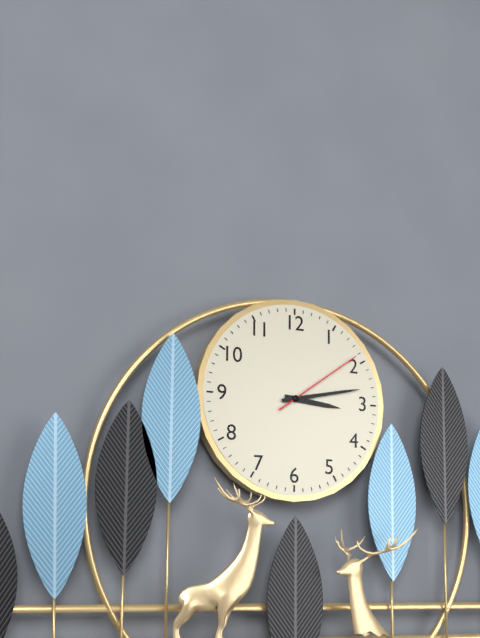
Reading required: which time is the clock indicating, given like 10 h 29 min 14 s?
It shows 3 h 13 min 09 s
